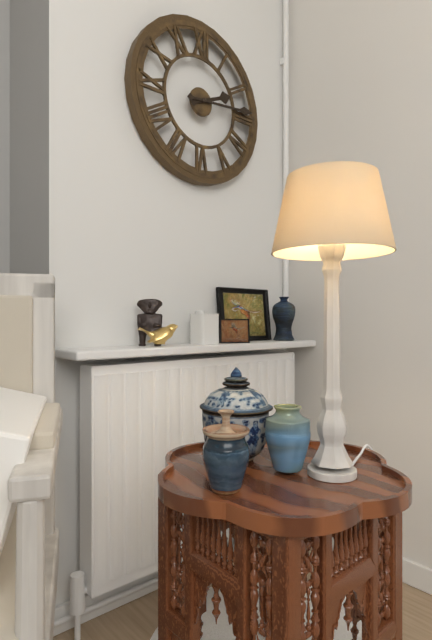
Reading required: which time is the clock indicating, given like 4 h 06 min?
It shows 2 h 14 min
